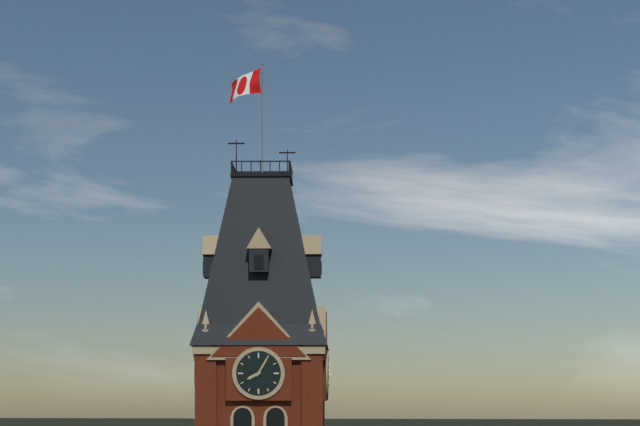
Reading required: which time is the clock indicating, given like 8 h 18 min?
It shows 8 h 05 min
